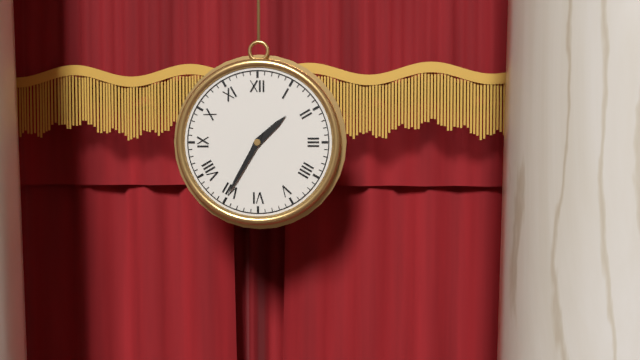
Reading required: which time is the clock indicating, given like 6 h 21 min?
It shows 1 h 35 min
